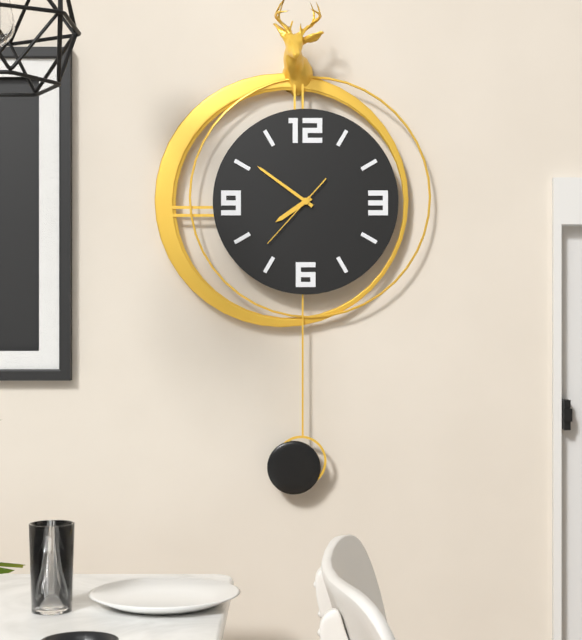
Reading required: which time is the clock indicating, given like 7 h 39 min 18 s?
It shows 7 h 51 min 37 s
